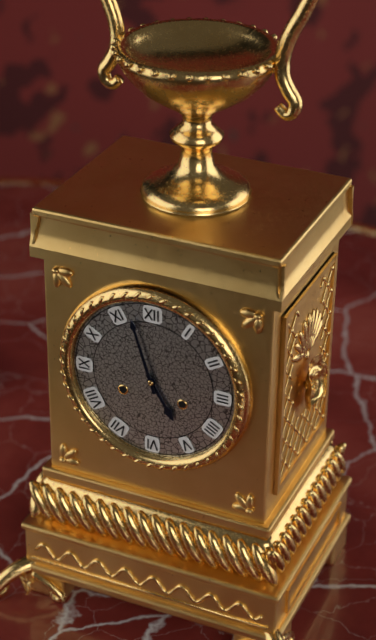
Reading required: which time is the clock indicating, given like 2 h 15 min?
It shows 4 h 57 min
